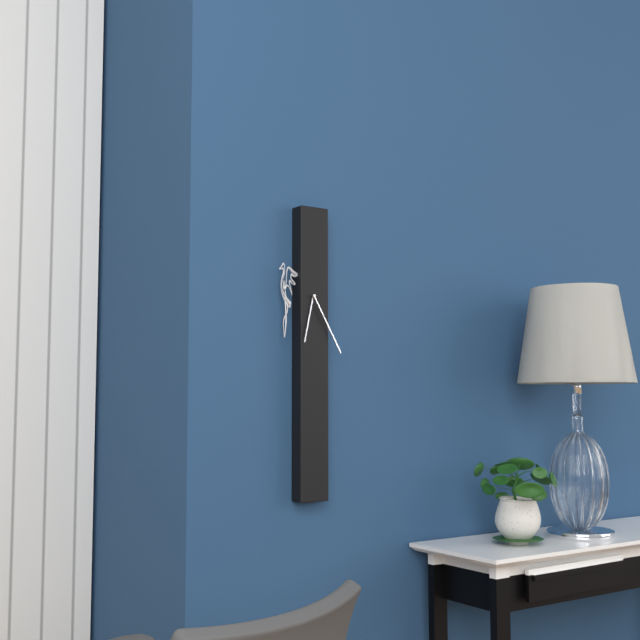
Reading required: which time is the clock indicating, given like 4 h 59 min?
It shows 6 h 25 min
